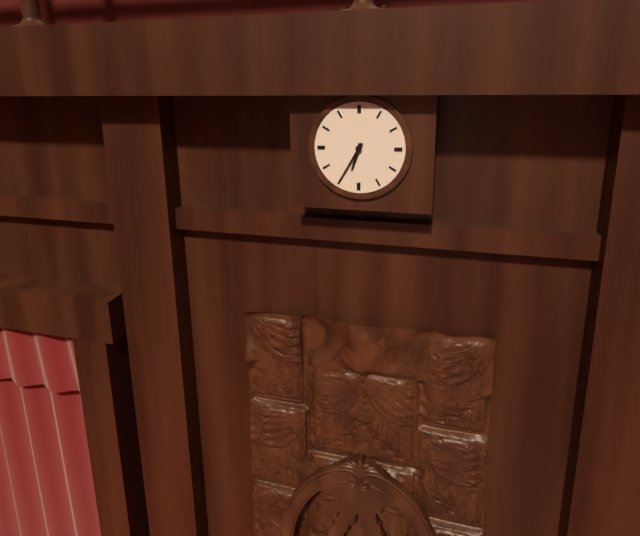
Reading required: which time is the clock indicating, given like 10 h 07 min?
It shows 6 h 35 min
